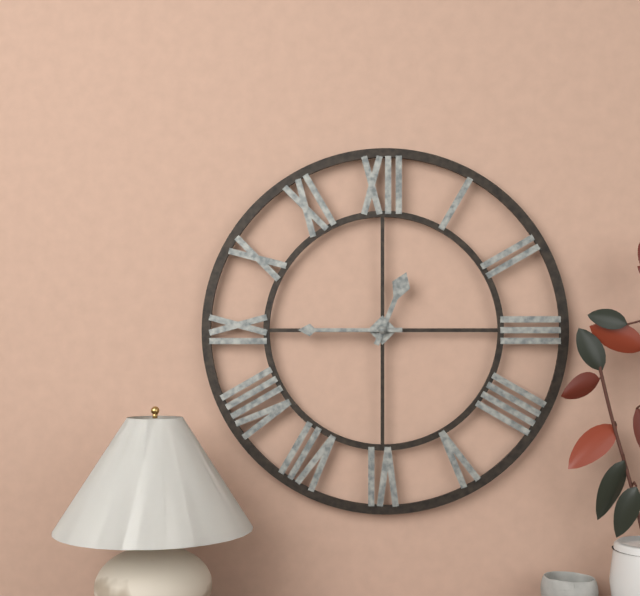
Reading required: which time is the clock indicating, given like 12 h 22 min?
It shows 12 h 45 min
